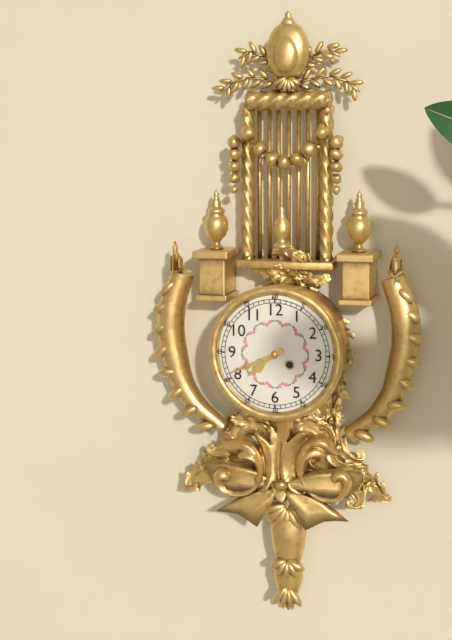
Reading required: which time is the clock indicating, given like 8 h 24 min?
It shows 7 h 41 min
